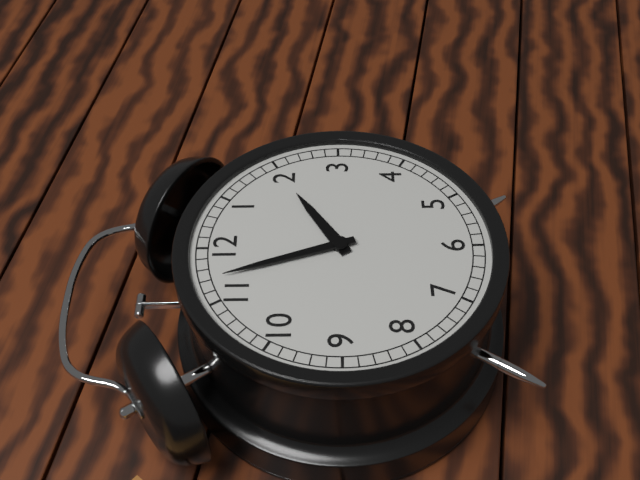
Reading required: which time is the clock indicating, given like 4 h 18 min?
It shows 1 h 57 min
